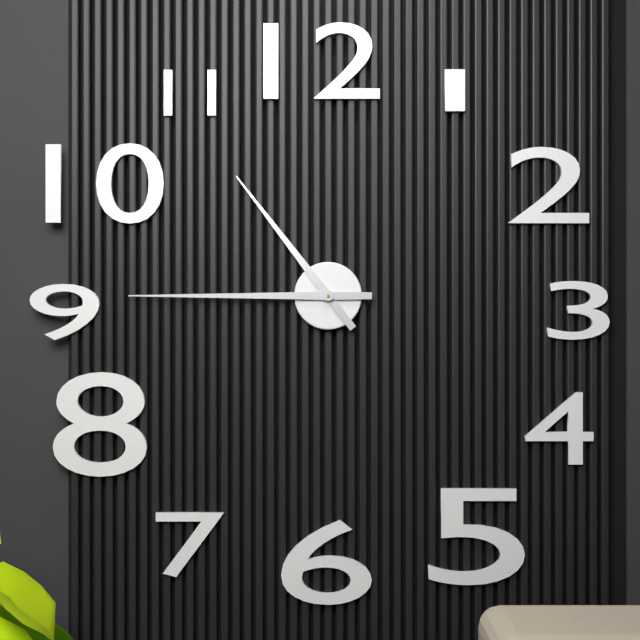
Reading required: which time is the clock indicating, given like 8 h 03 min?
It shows 10 h 45 min
